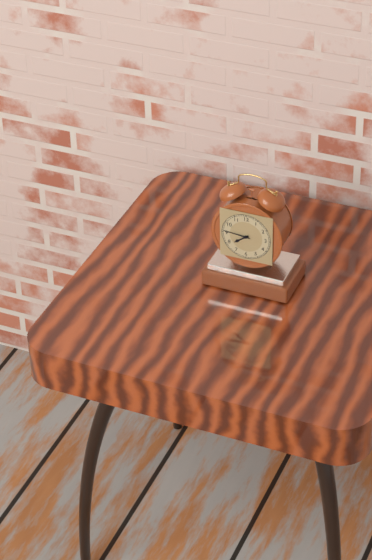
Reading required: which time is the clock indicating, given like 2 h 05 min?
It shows 7 h 46 min
